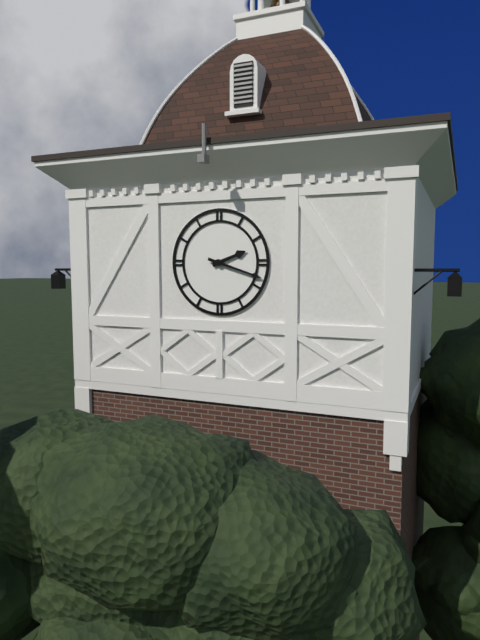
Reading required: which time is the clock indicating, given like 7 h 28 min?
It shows 2 h 18 min
